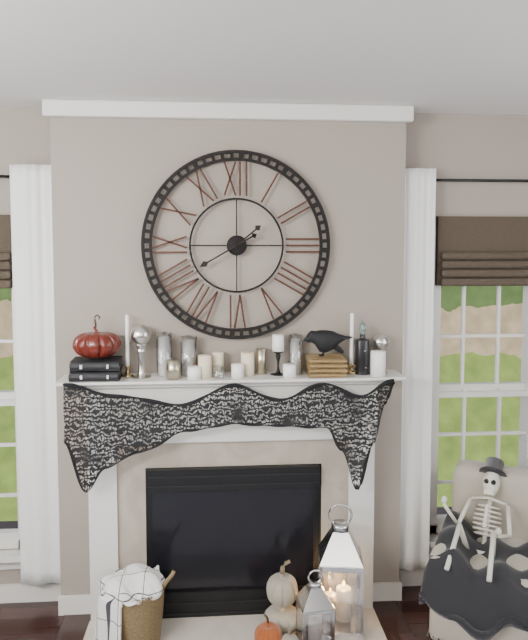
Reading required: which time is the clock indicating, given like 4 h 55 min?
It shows 1 h 40 min
